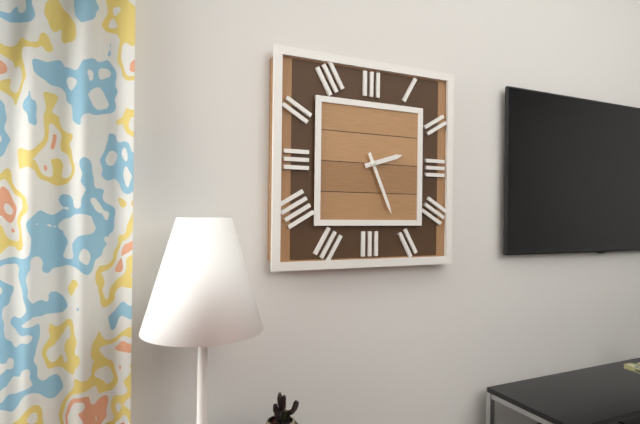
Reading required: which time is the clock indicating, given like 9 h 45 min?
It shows 2 h 26 min
